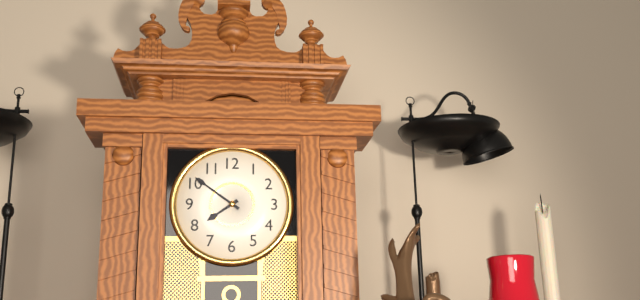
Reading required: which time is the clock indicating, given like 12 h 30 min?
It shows 7 h 51 min
